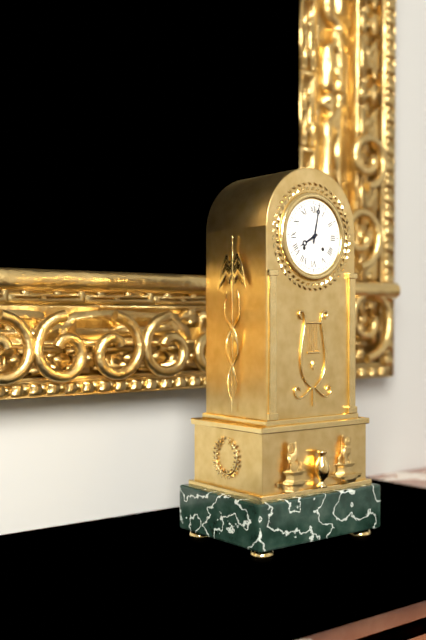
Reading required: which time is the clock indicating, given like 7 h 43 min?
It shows 8 h 02 min
